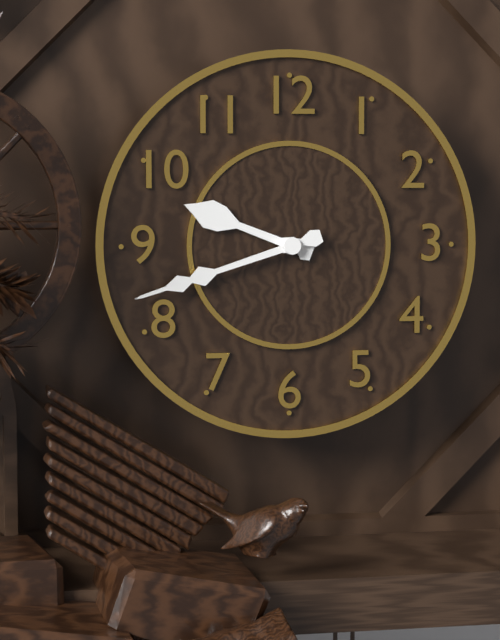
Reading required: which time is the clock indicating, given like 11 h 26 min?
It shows 9 h 42 min
